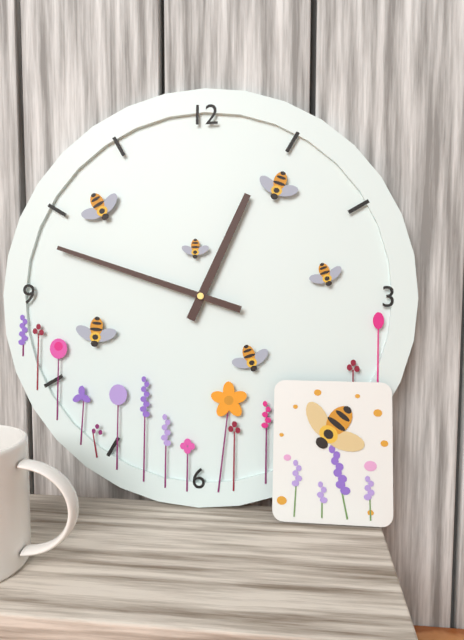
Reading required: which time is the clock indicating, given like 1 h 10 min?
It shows 12 h 48 min
